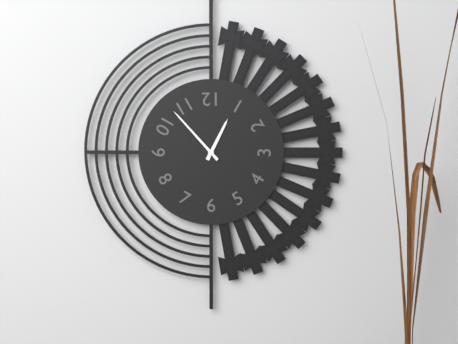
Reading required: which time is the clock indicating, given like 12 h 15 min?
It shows 12 h 53 min
